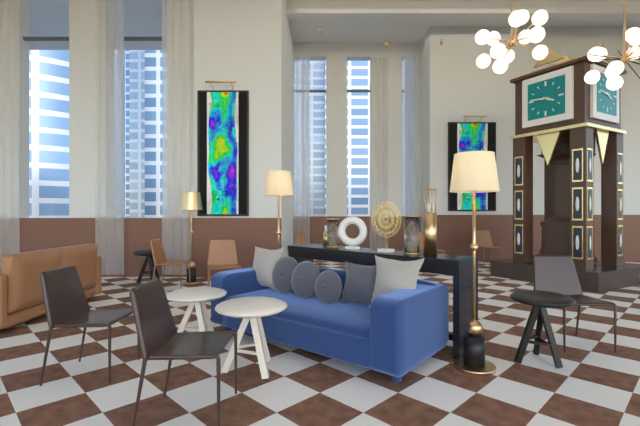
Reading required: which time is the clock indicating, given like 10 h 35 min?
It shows 3 h 46 min
